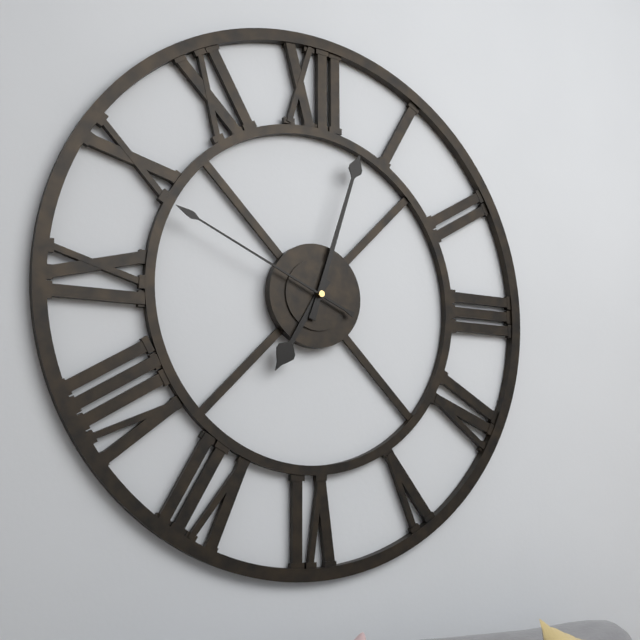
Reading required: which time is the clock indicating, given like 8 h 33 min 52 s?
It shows 7 h 03 min 49 s
